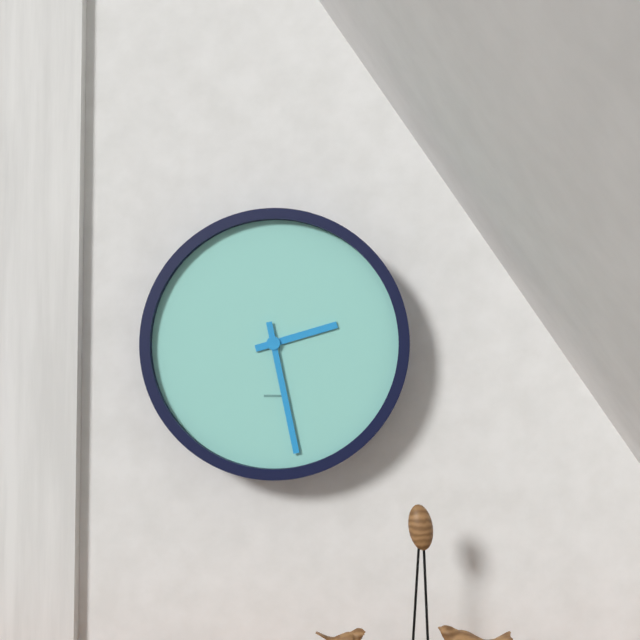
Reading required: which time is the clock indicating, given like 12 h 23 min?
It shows 2 h 28 min
